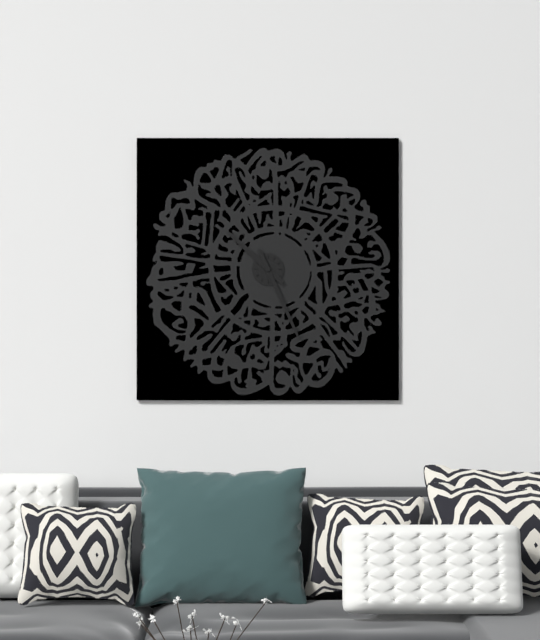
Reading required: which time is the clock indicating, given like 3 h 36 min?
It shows 10 h 26 min
